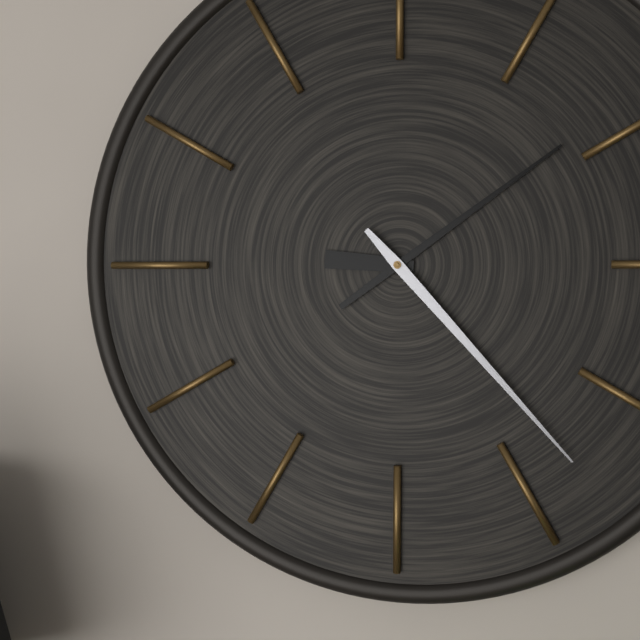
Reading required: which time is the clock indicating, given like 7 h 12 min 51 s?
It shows 9 h 09 min 23 s
